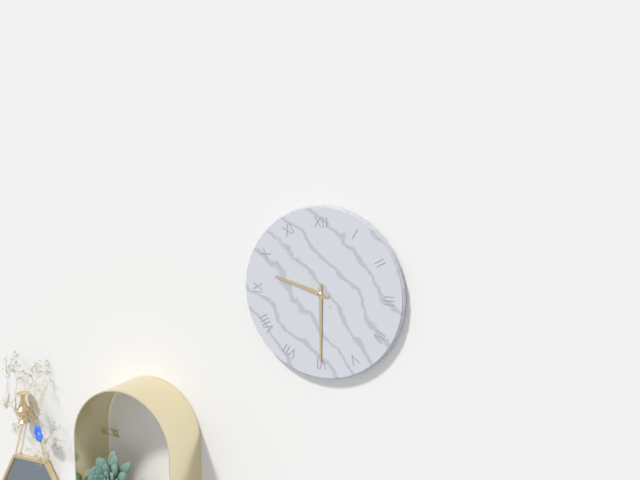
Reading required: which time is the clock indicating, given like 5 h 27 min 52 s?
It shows 9 h 30 min 53 s
